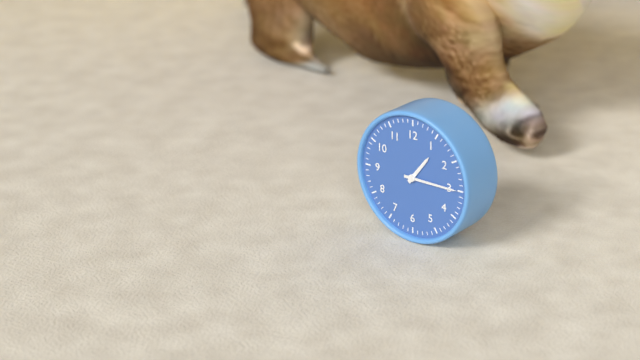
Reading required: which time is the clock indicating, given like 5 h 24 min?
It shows 1 h 15 min
